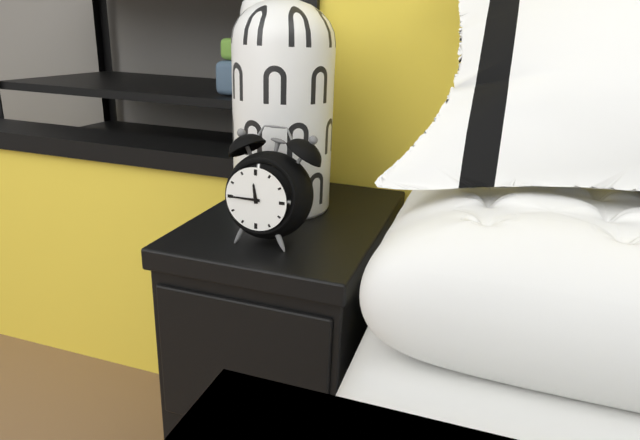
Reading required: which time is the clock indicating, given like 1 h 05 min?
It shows 11 h 45 min
